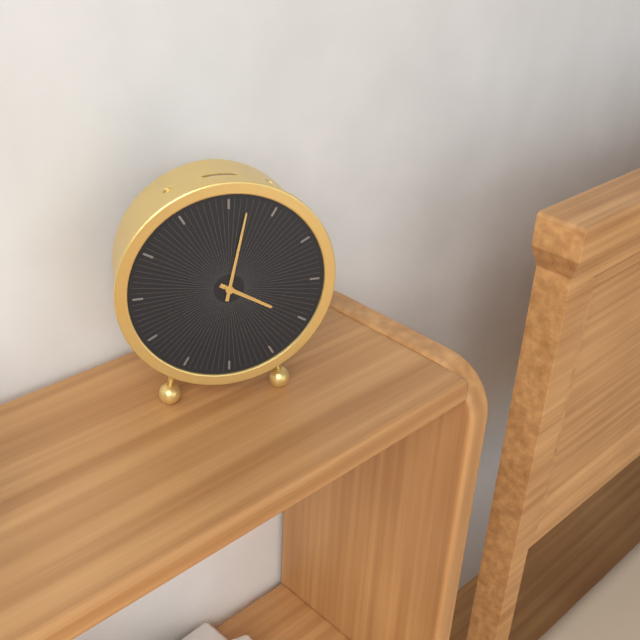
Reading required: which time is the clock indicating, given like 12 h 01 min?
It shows 4 h 02 min
